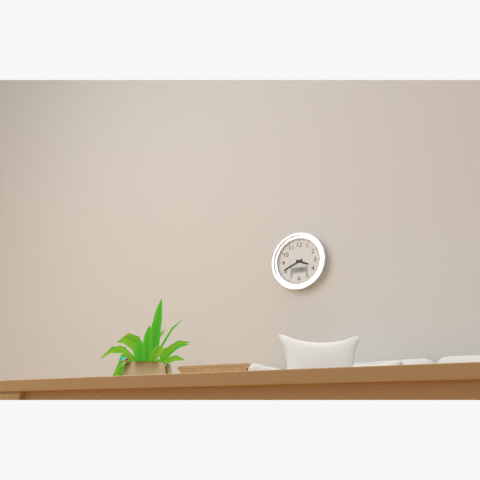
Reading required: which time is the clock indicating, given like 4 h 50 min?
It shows 3 h 41 min
